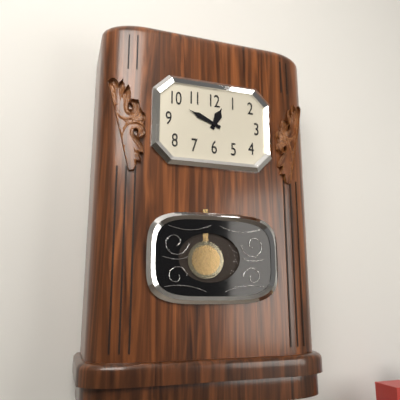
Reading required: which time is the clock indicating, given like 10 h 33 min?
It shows 12 h 49 min
